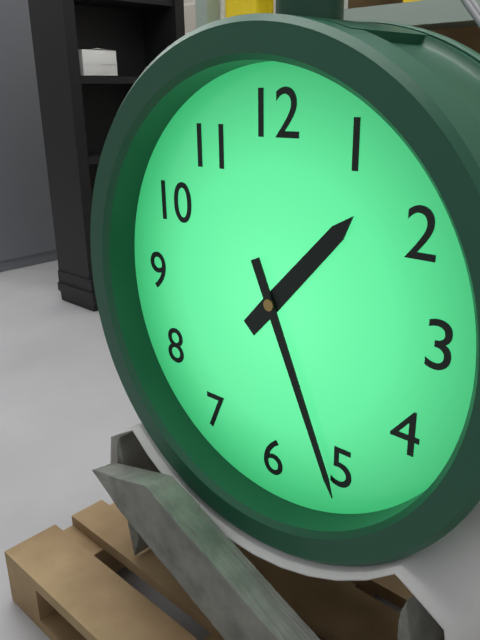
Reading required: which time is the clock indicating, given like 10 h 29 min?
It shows 1 h 26 min
